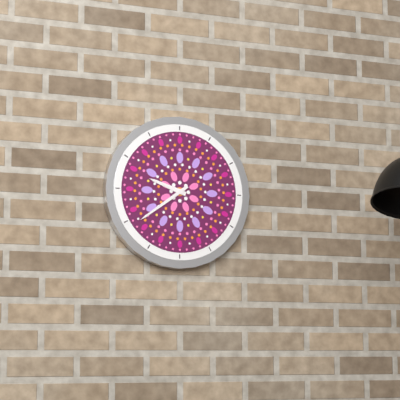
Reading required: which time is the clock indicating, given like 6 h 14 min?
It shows 9 h 39 min
